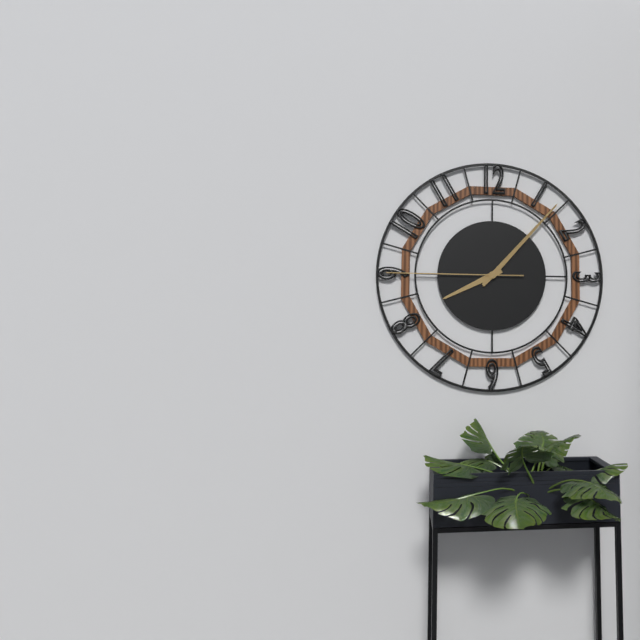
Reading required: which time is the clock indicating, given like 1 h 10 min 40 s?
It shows 8 h 07 min 45 s
